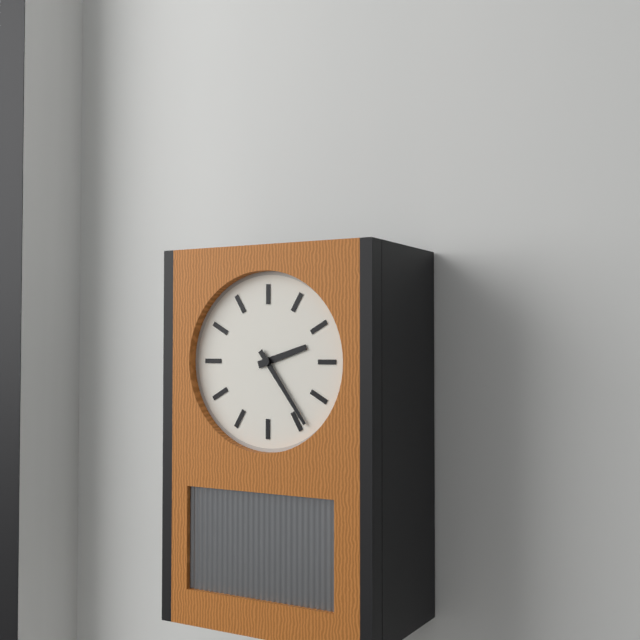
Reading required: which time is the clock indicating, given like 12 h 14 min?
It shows 2 h 24 min
